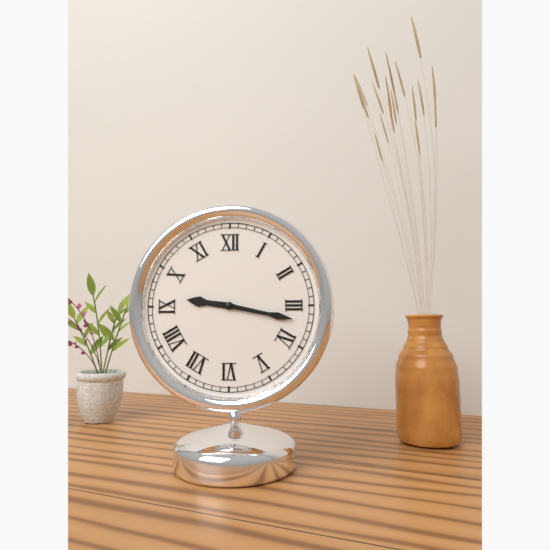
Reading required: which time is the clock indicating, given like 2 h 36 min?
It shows 9 h 17 min
